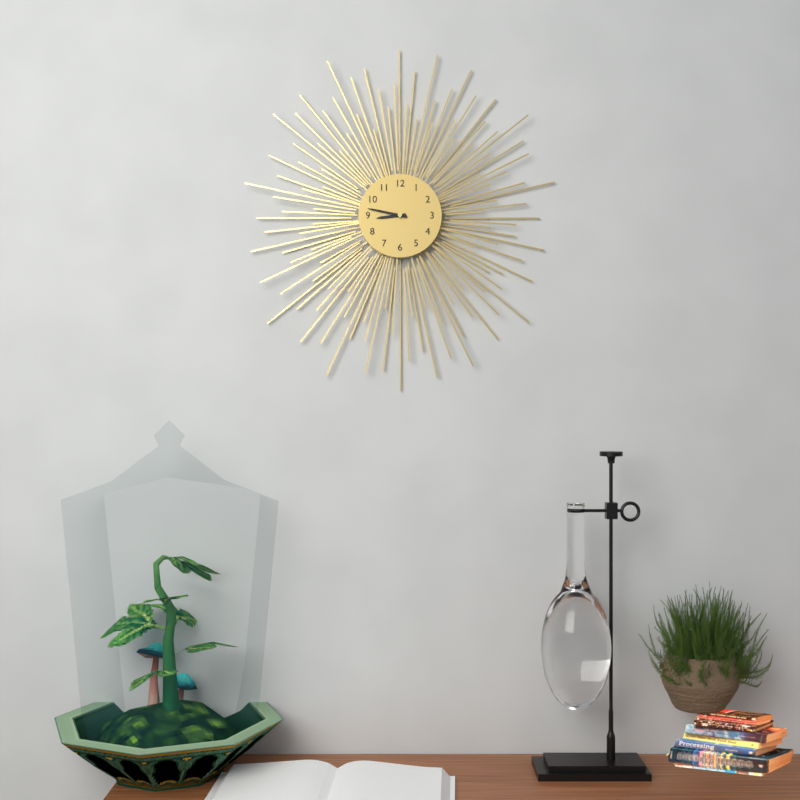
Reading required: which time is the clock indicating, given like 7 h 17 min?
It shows 8 h 47 min
